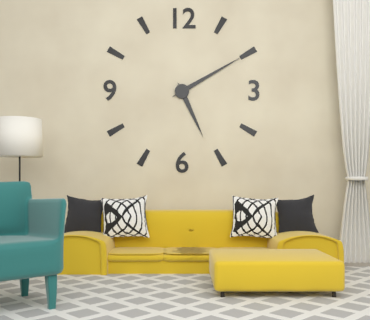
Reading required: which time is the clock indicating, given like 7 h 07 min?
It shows 5 h 10 min
